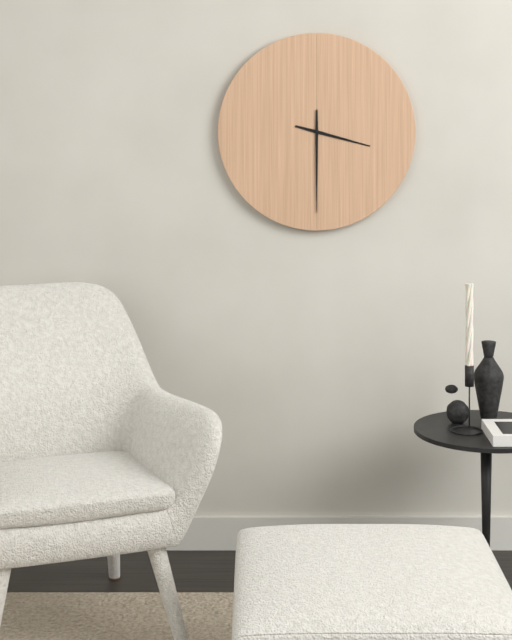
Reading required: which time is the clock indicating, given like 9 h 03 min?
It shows 3 h 30 min
